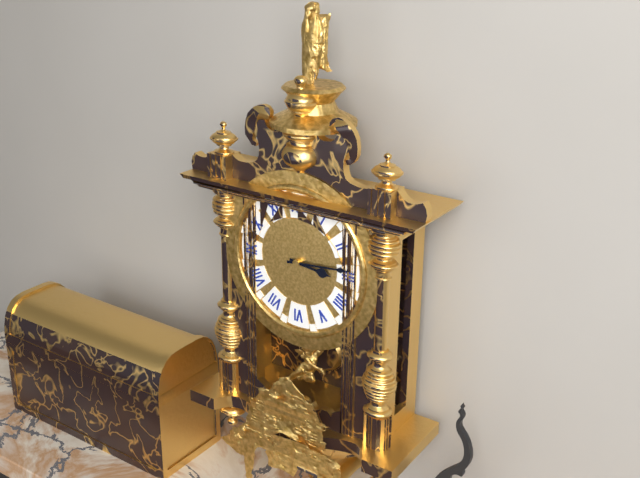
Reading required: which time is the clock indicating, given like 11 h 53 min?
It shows 3 h 14 min
